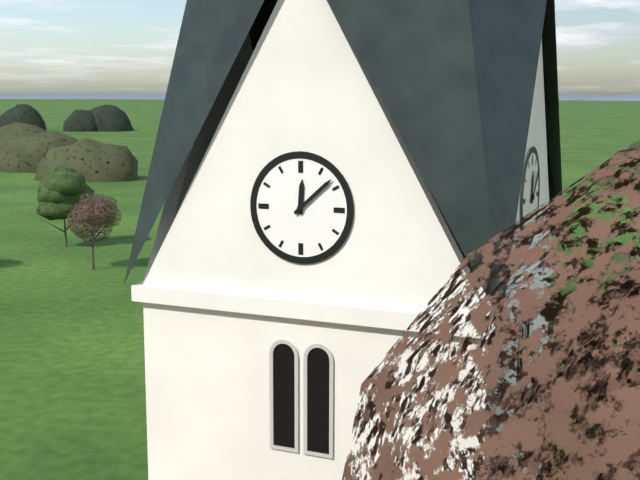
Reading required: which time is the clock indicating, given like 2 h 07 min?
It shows 12 h 08 min
